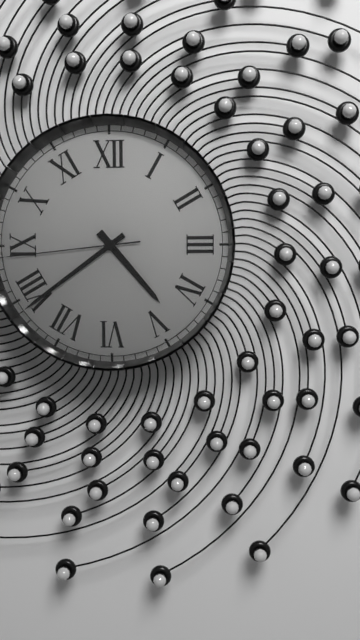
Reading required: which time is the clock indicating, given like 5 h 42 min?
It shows 4 h 39 min
